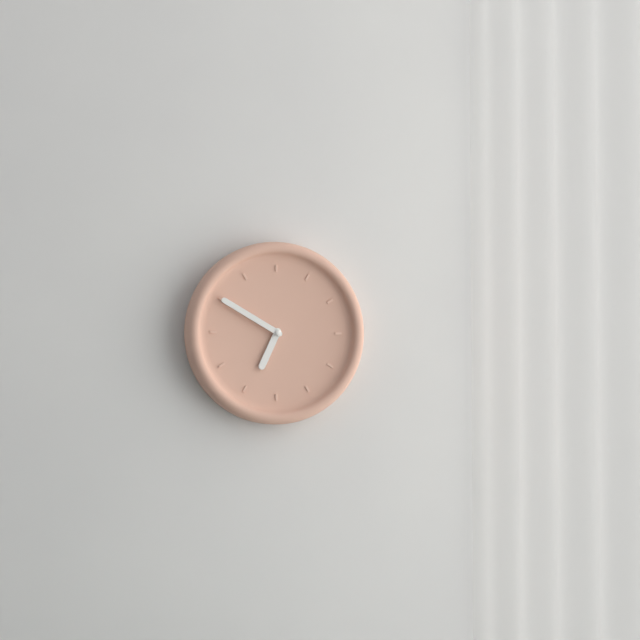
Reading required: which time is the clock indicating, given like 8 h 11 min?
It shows 6 h 50 min
